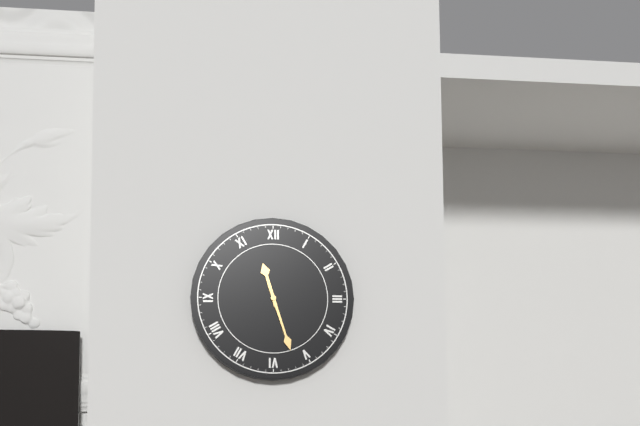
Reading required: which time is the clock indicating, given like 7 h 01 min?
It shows 11 h 27 min
